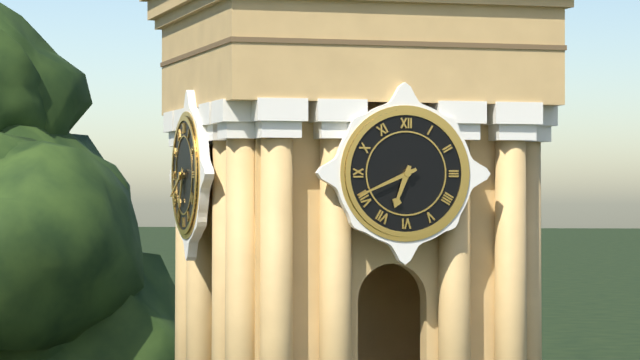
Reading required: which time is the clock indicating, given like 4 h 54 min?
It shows 6 h 41 min
